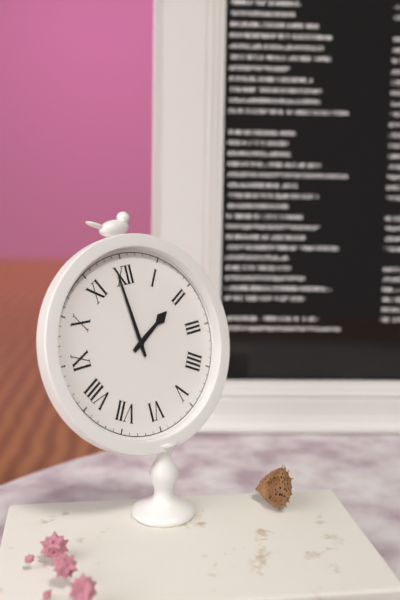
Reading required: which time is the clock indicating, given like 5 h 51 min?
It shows 1 h 59 min
